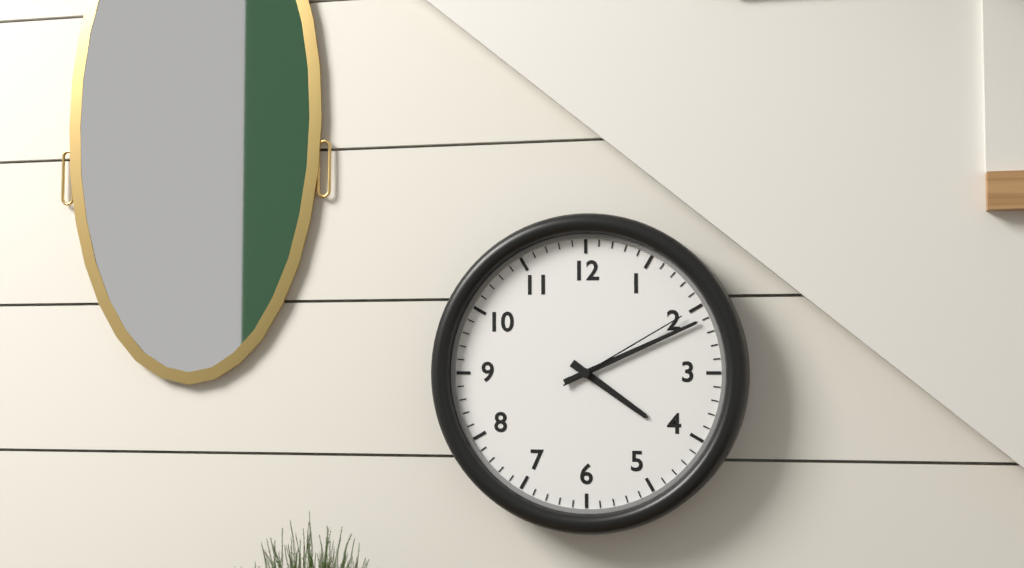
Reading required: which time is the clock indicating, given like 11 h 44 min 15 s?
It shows 4 h 11 min 10 s
